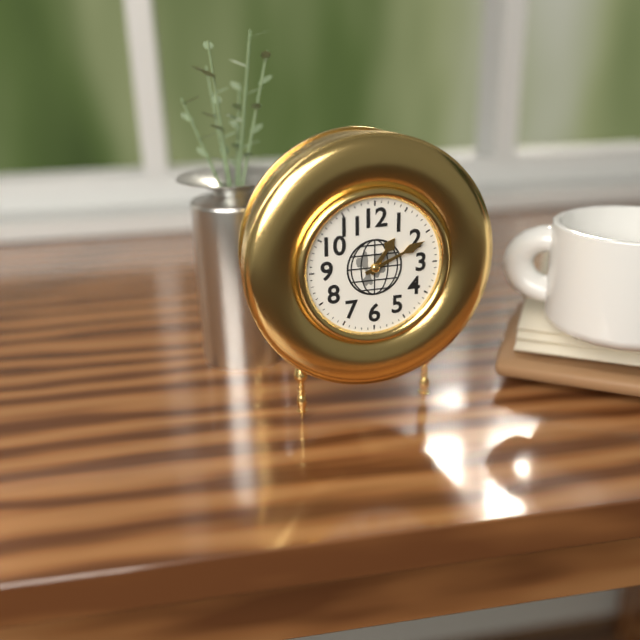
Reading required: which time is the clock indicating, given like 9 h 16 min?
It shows 1 h 11 min
